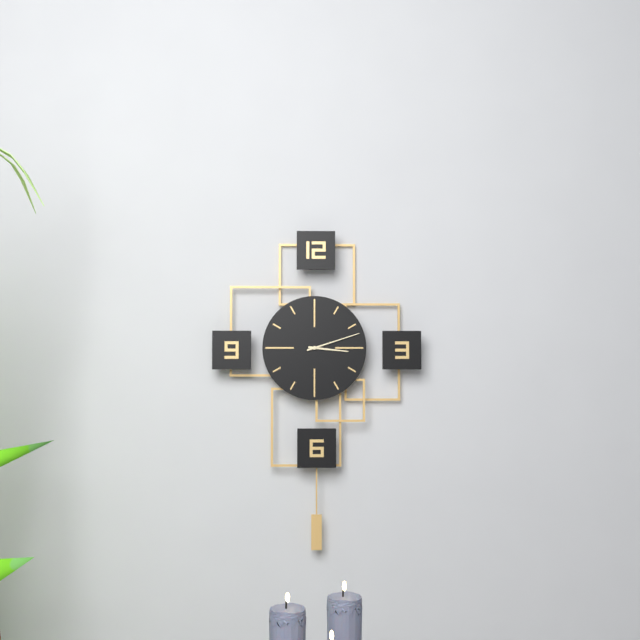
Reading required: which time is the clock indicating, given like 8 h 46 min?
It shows 3 h 12 min
